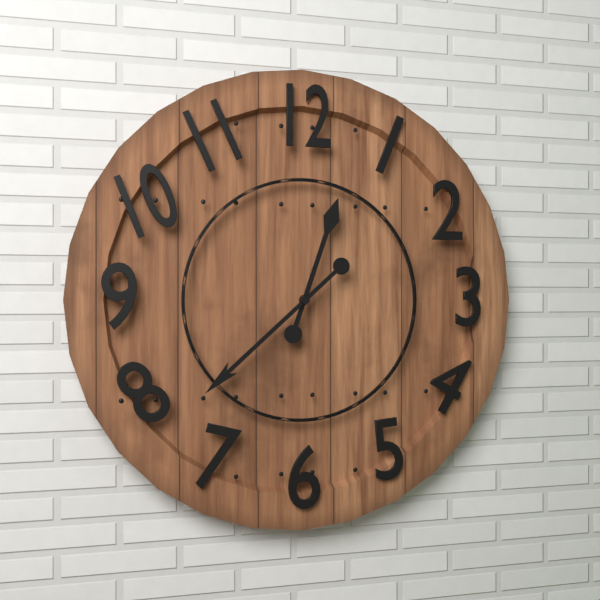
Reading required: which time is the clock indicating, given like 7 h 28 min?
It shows 12 h 38 min
